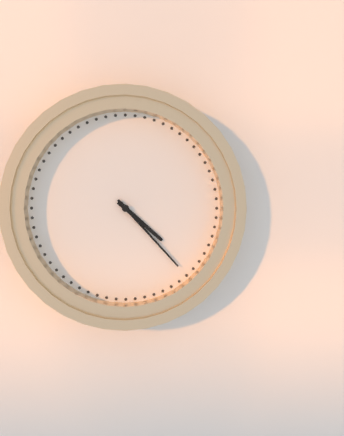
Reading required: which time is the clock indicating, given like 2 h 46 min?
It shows 4 h 23 min
